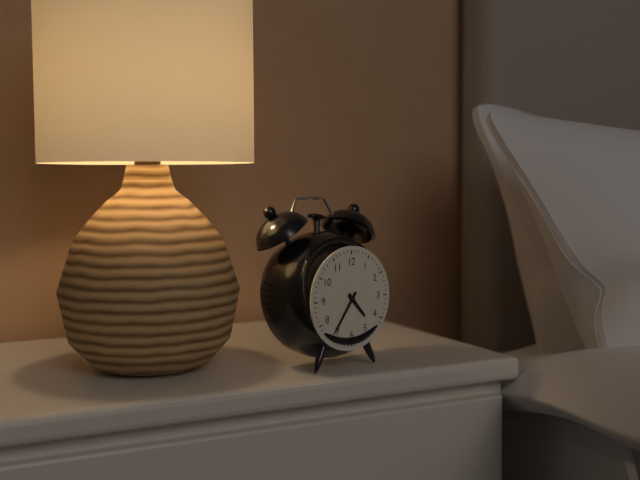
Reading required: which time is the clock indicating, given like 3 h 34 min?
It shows 4 h 36 min
